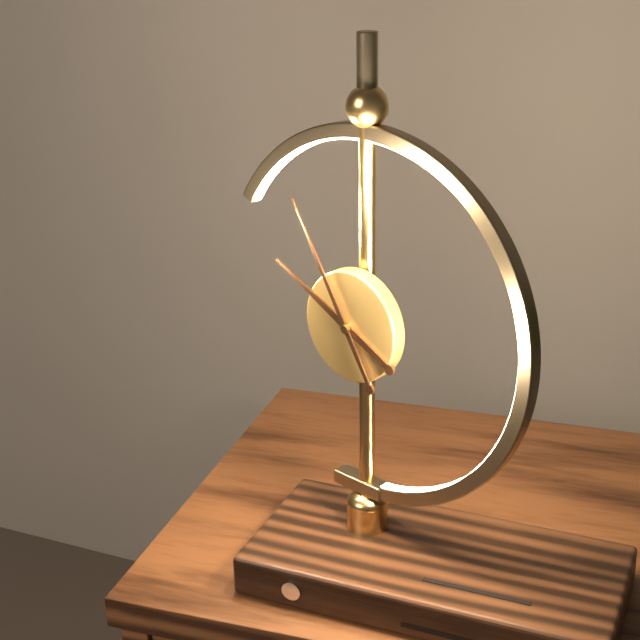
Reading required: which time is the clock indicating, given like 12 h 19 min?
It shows 9 h 55 min
